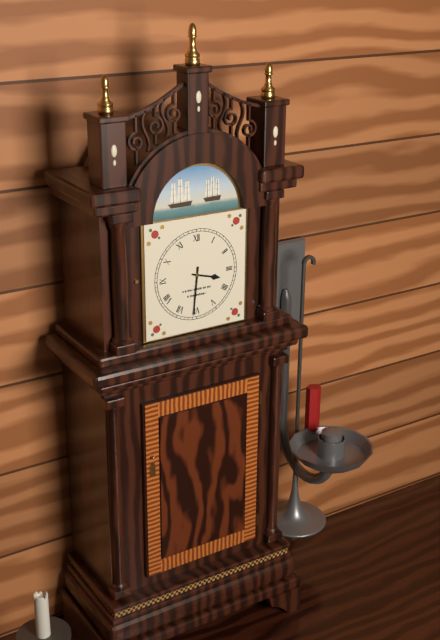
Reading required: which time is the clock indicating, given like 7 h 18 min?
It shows 3 h 31 min
